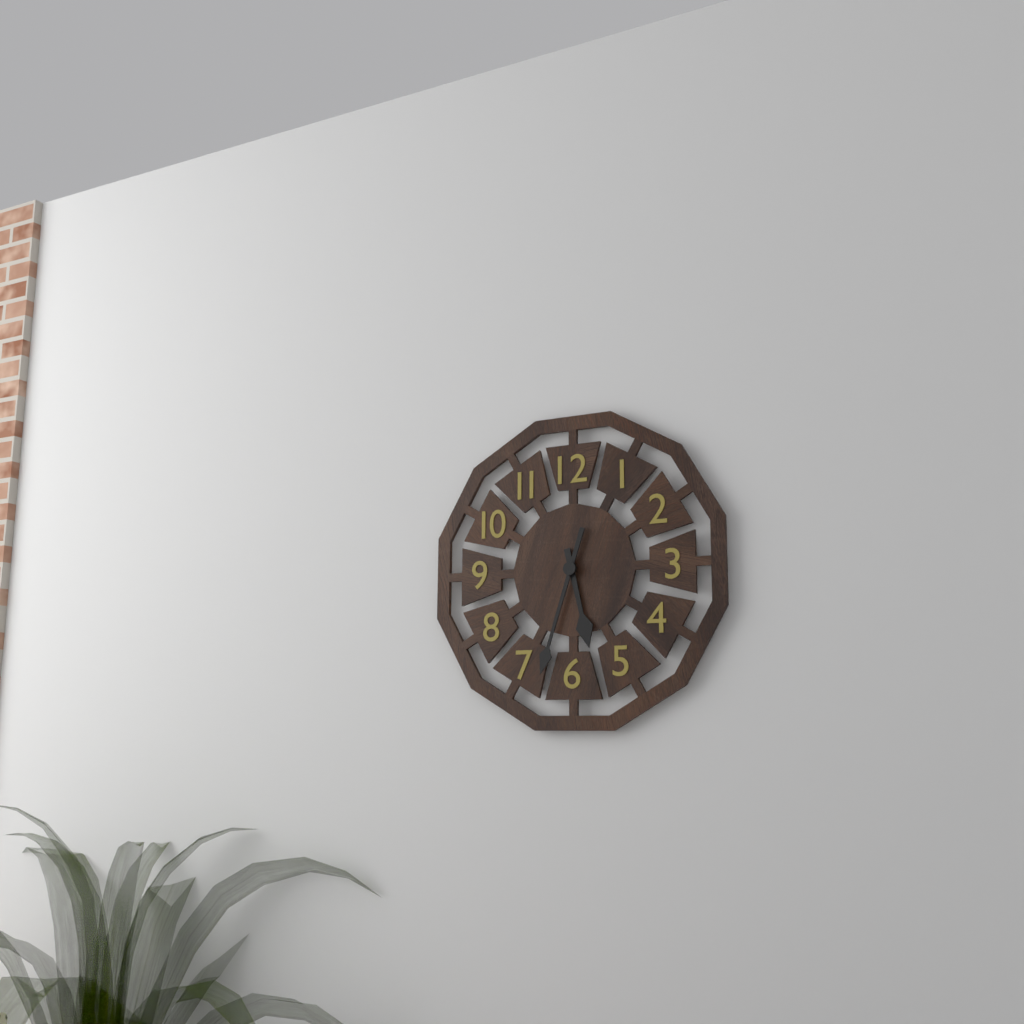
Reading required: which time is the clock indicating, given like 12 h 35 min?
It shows 5 h 33 min
